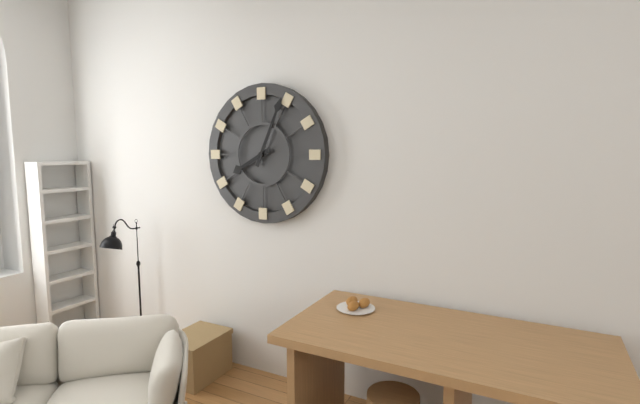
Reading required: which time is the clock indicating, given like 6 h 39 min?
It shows 8 h 04 min
